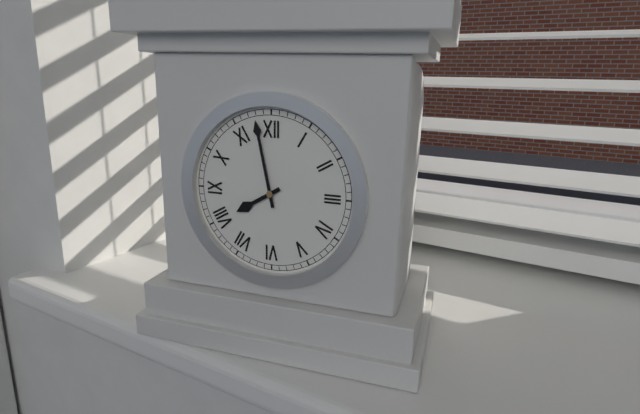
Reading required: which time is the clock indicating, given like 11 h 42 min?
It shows 7 h 58 min
